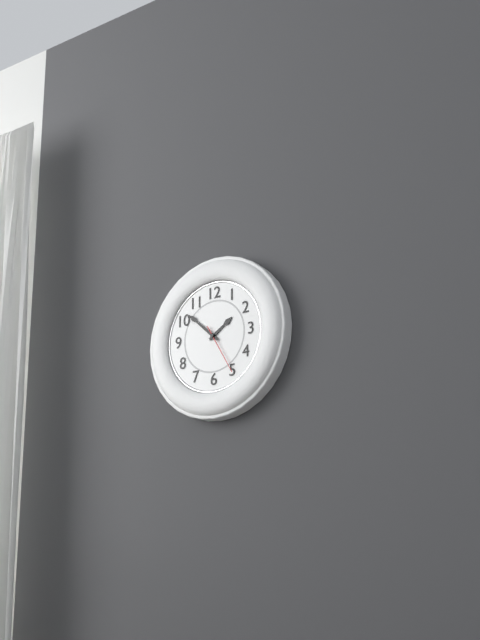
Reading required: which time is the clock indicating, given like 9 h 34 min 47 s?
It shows 1 h 52 min 25 s
